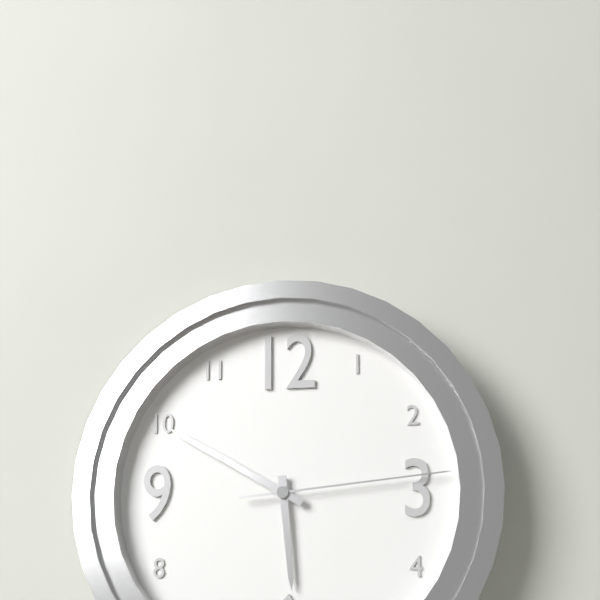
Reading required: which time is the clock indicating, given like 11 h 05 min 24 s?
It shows 5 h 50 min 14 s
